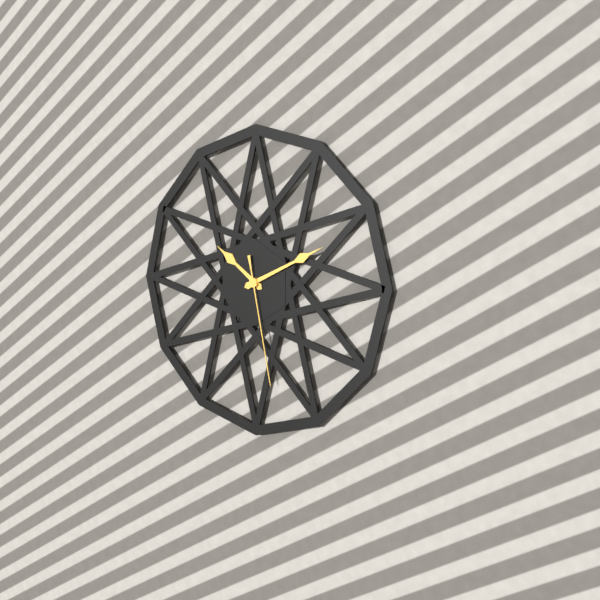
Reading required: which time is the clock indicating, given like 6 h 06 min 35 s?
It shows 10 h 11 min 28 s
